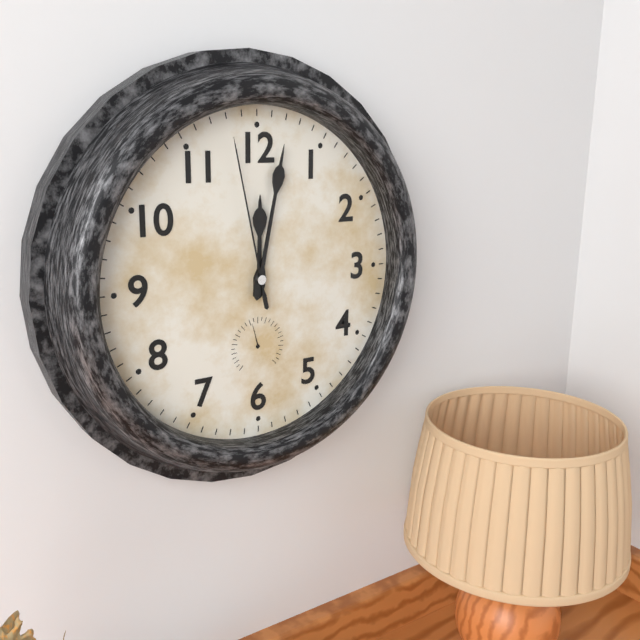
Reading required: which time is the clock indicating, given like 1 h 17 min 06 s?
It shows 12 h 02 min 58 s
